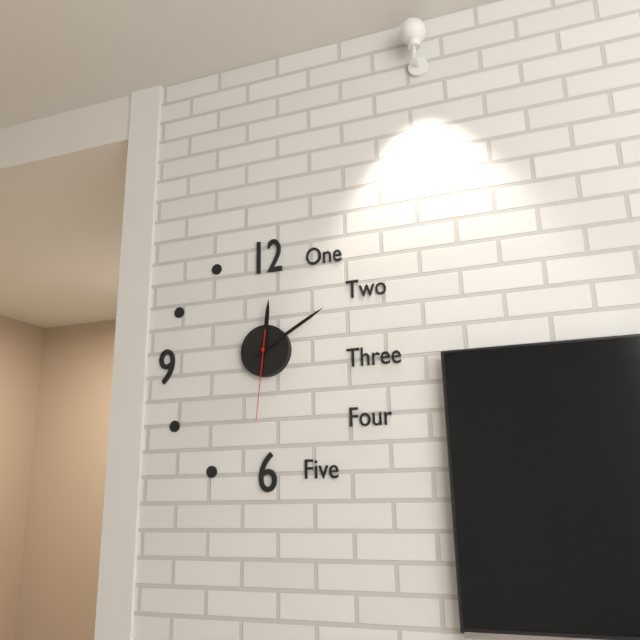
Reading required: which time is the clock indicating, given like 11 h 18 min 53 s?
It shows 12 h 10 min 31 s
